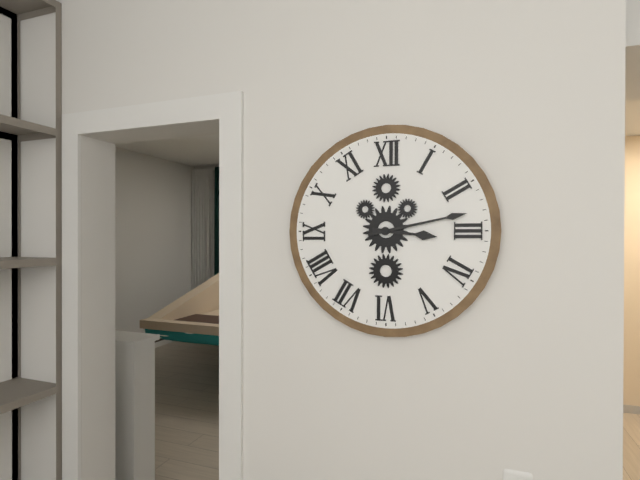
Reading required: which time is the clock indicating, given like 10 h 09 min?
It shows 3 h 13 min
